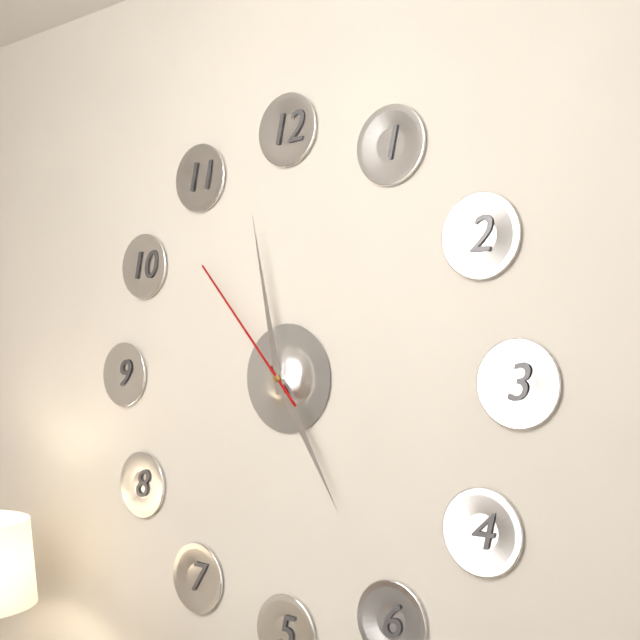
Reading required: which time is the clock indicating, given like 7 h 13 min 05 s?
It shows 4 h 58 min 53 s
